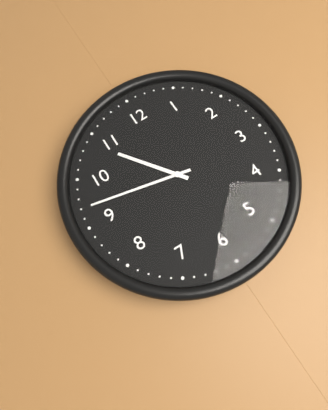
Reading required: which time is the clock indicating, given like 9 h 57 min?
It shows 10 h 47 min
